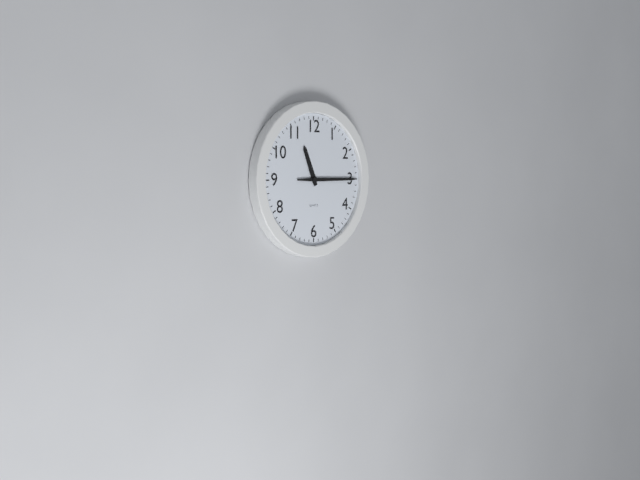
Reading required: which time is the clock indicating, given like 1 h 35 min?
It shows 11 h 15 min
